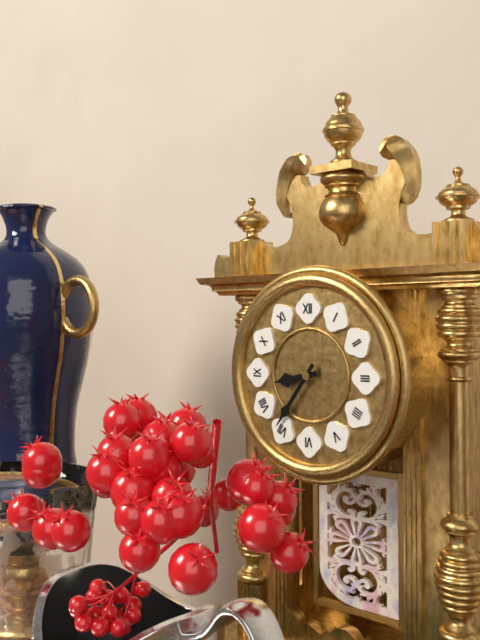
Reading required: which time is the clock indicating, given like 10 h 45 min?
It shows 8 h 36 min
